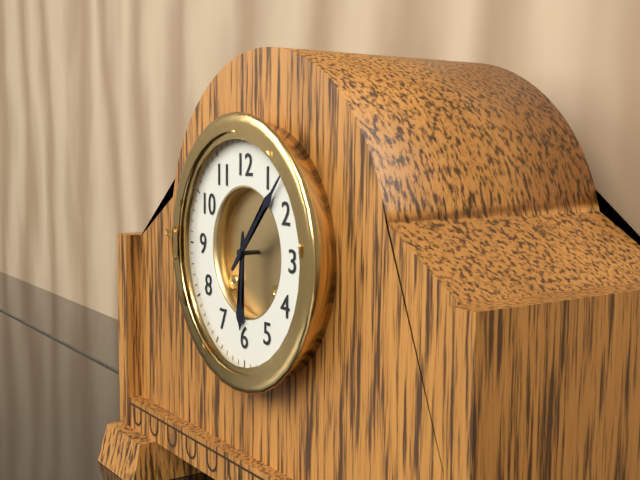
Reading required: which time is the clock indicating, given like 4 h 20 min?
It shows 6 h 07 min
